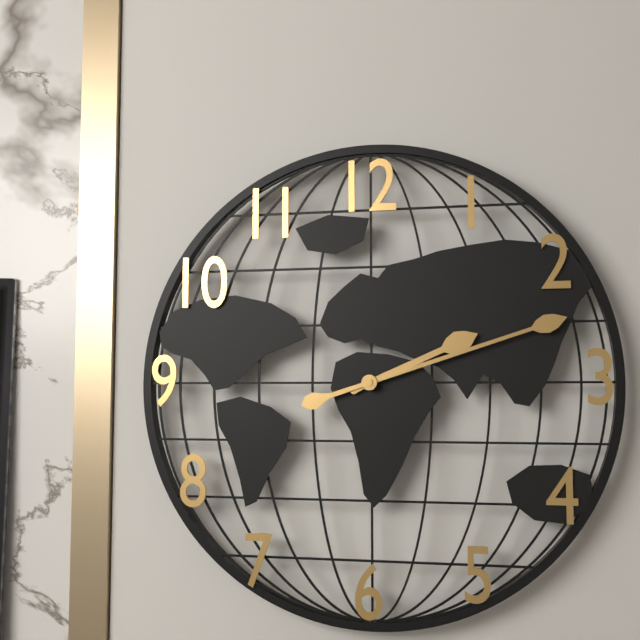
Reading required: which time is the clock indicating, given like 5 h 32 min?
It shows 2 h 12 min
